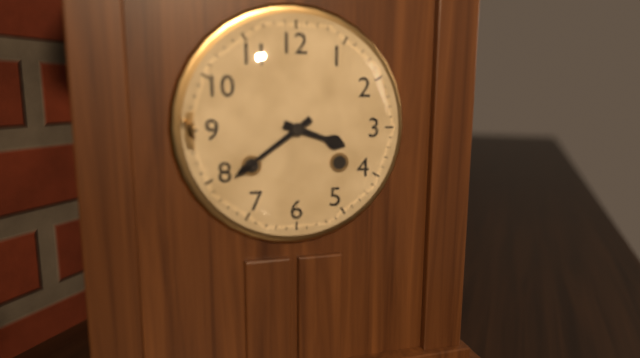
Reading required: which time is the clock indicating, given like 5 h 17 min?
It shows 3 h 39 min
